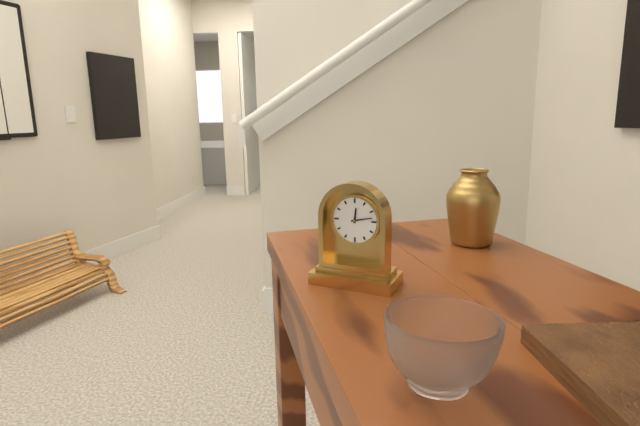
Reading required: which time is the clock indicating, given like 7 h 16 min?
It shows 12 h 13 min
